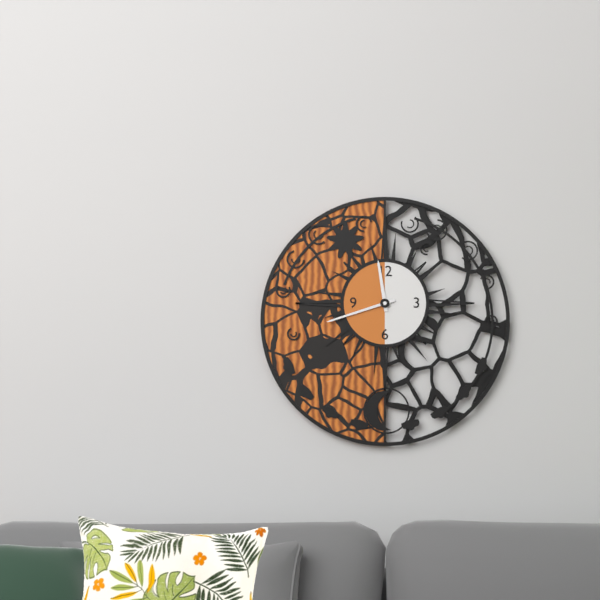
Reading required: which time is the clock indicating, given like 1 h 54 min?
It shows 11 h 42 min
